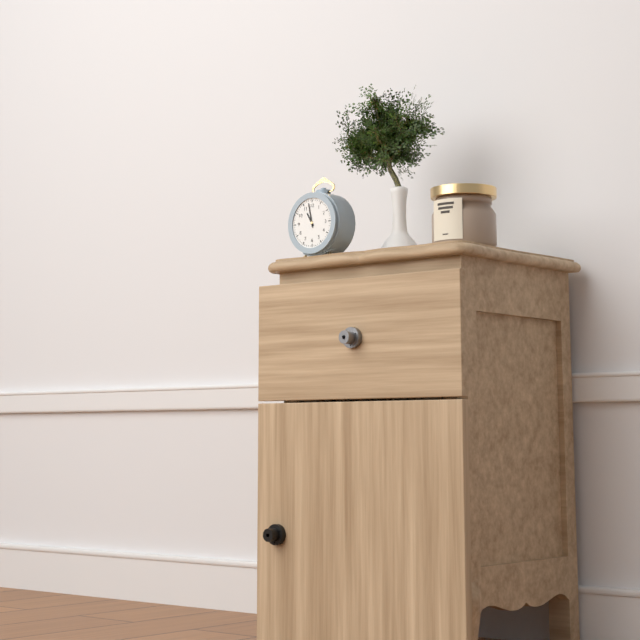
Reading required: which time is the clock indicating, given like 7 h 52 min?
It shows 10 h 58 min
